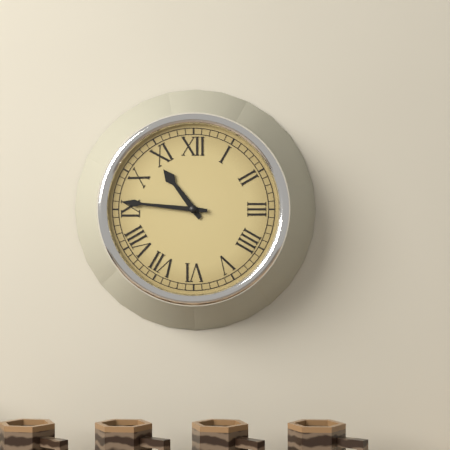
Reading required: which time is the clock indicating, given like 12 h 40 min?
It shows 10 h 46 min
